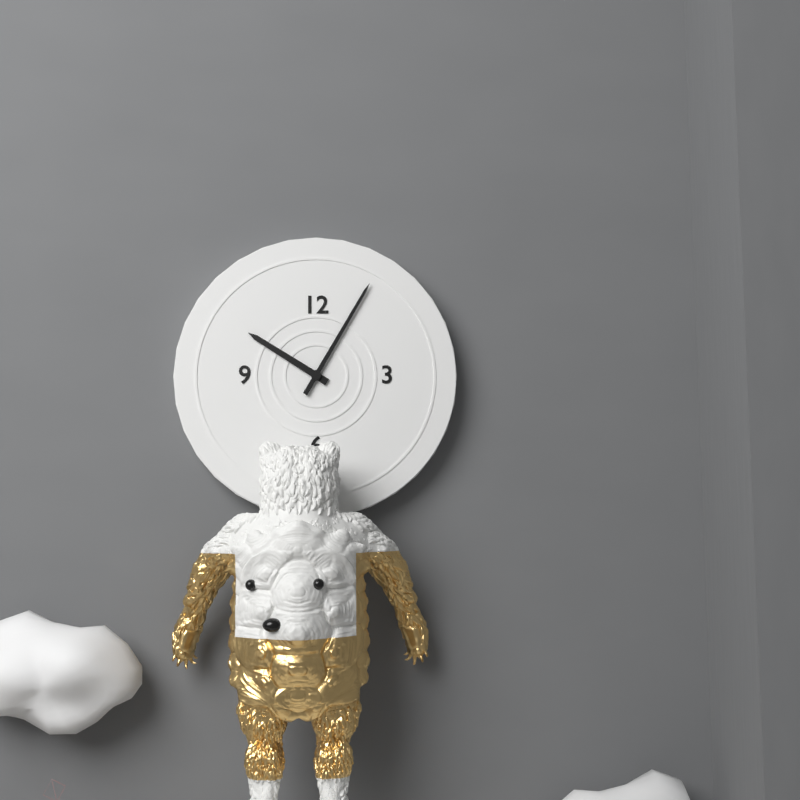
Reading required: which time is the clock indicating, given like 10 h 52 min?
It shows 10 h 05 min
